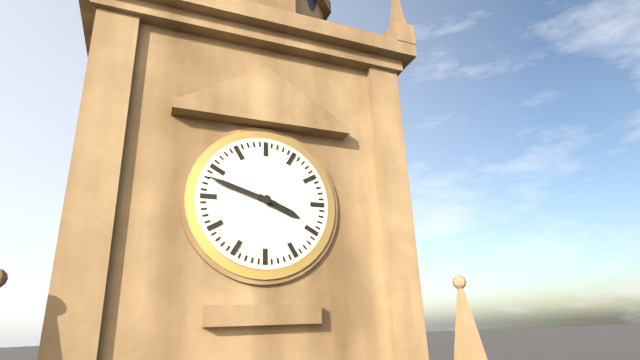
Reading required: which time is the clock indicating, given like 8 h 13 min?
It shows 3 h 48 min
